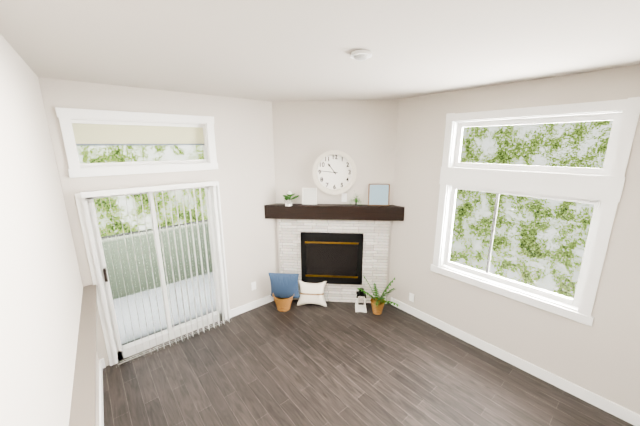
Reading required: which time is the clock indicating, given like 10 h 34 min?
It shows 10 h 46 min
